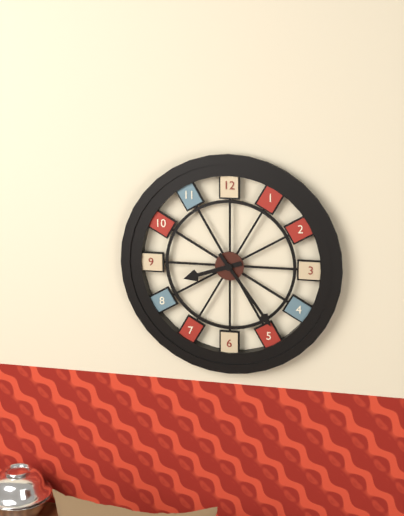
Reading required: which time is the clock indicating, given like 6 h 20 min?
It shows 8 h 24 min
